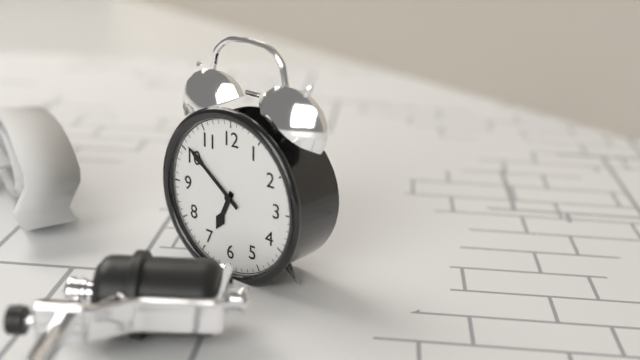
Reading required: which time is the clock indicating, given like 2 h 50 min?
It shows 6 h 51 min
